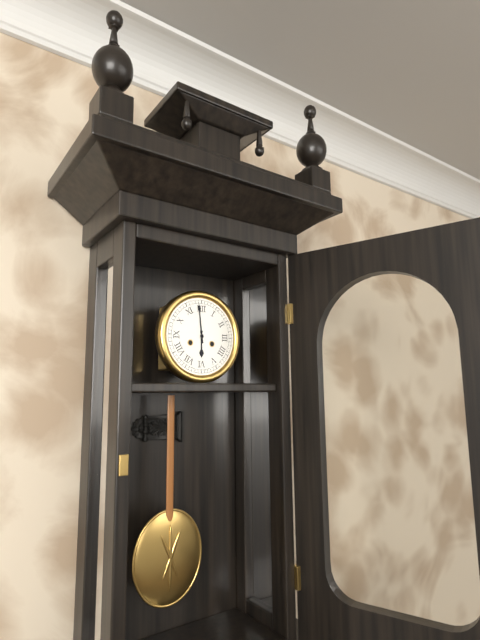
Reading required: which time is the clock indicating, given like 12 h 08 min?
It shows 5 h 59 min
